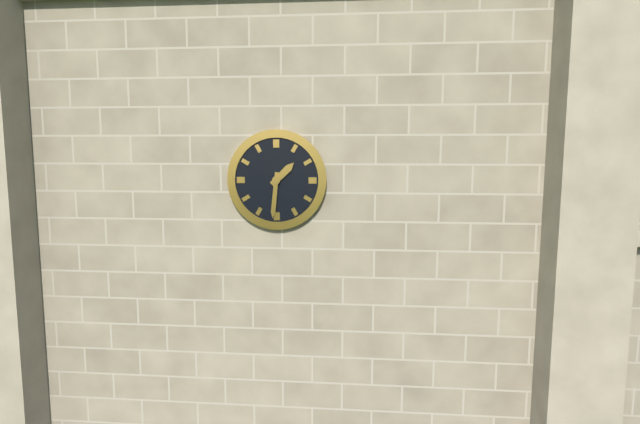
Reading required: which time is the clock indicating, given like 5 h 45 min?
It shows 1 h 31 min
